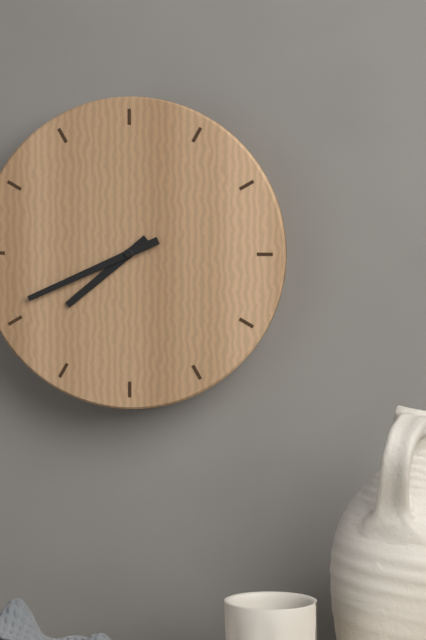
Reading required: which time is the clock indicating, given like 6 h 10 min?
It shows 7 h 41 min
